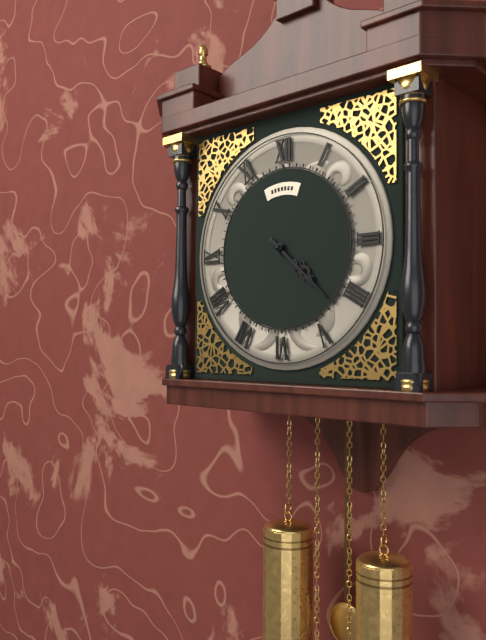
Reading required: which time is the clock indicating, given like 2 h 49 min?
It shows 4 h 22 min
